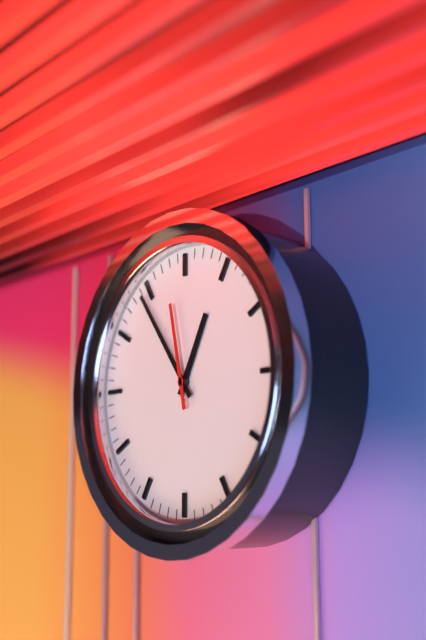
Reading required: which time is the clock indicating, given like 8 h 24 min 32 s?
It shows 12 h 54 min 58 s
